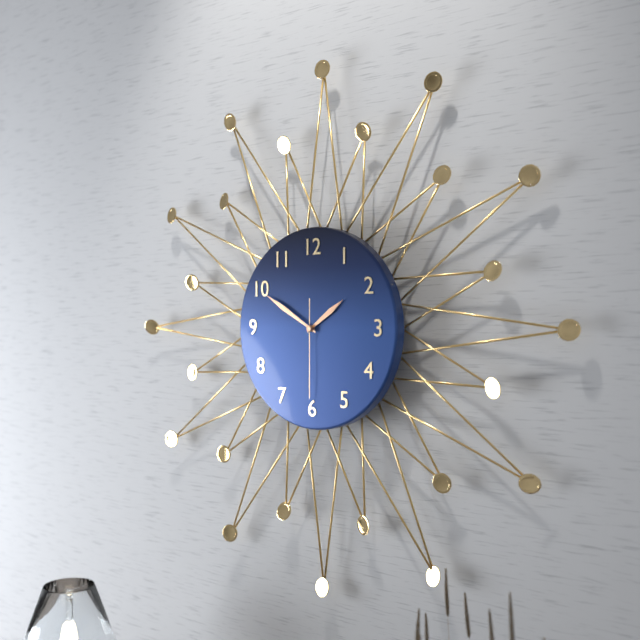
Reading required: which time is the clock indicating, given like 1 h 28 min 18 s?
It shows 1 h 50 min 30 s
